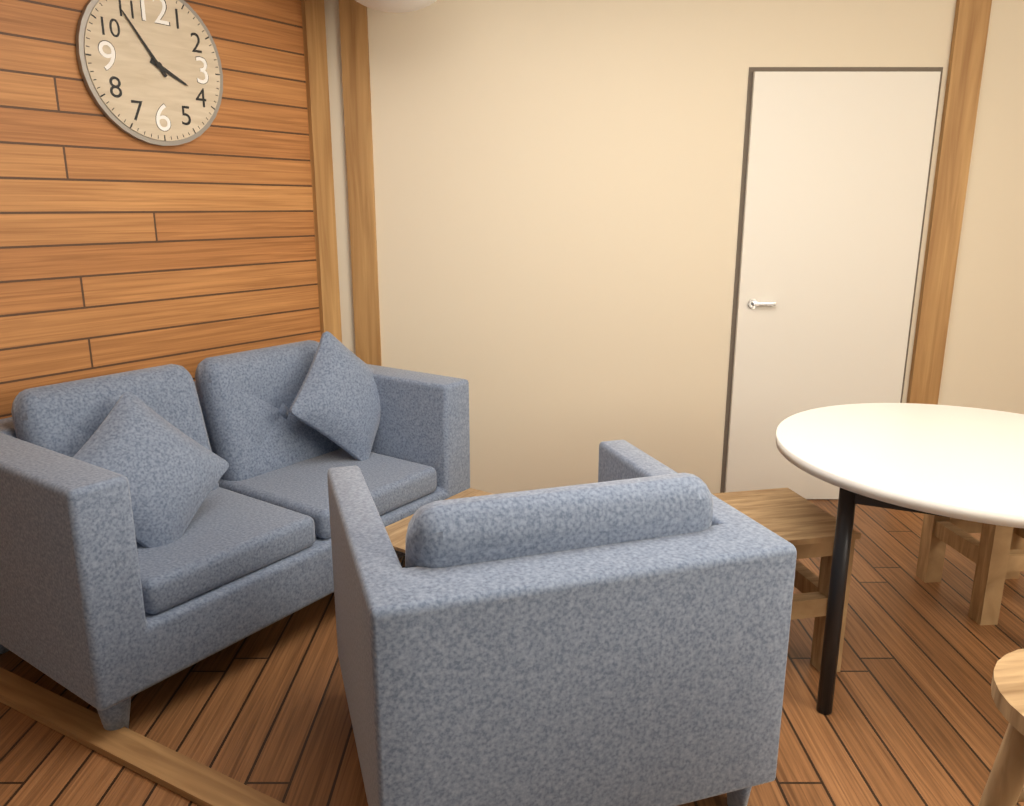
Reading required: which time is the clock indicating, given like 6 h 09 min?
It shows 3 h 54 min
